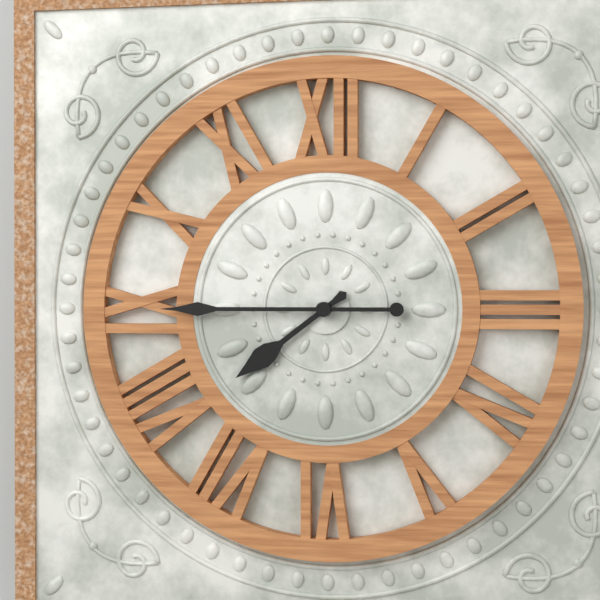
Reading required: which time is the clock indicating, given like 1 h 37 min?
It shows 7 h 45 min
